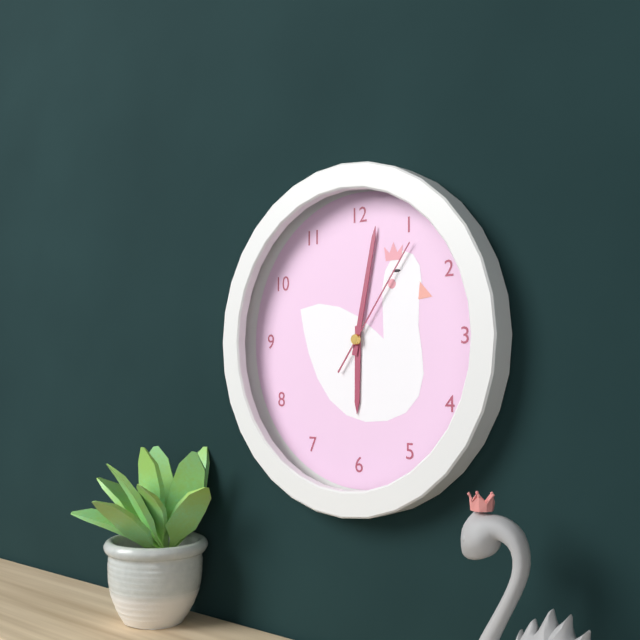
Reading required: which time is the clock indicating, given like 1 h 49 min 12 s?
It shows 6 h 02 min 06 s
